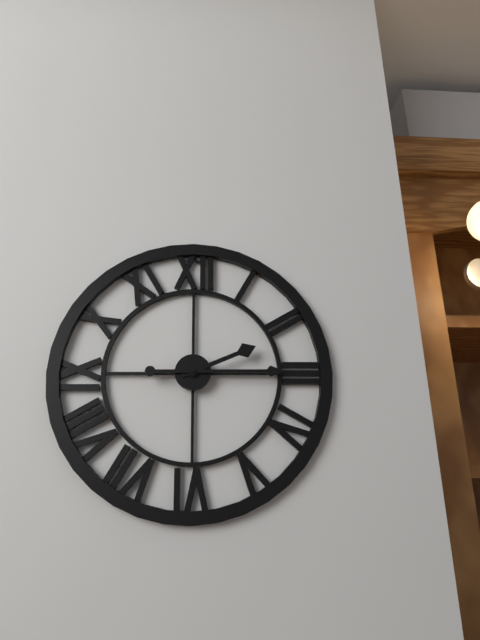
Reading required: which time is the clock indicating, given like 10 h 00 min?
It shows 2 h 15 min
